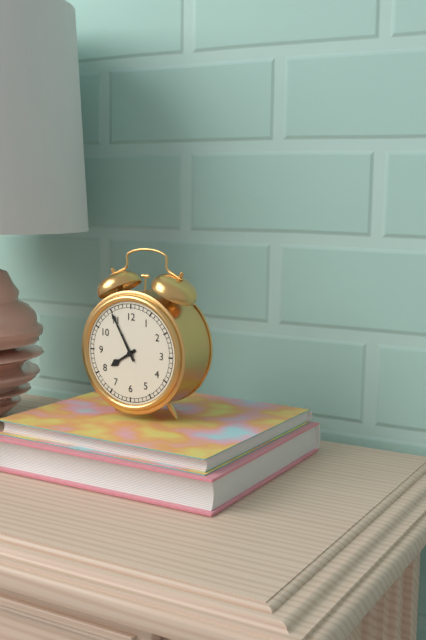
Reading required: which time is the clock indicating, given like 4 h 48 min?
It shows 7 h 55 min
